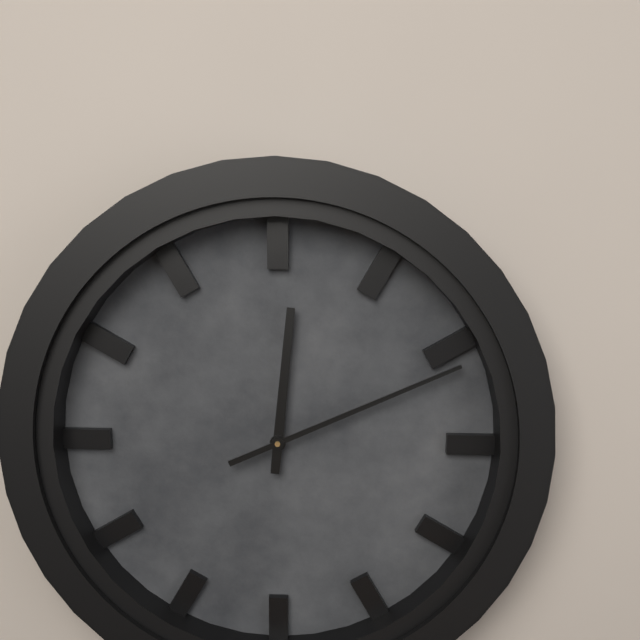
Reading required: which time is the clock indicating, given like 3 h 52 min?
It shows 12 h 11 min
